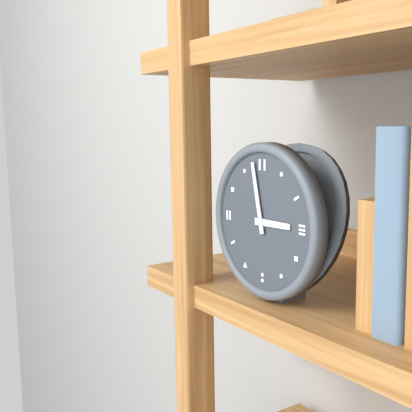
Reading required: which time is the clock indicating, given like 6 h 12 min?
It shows 2 h 58 min
